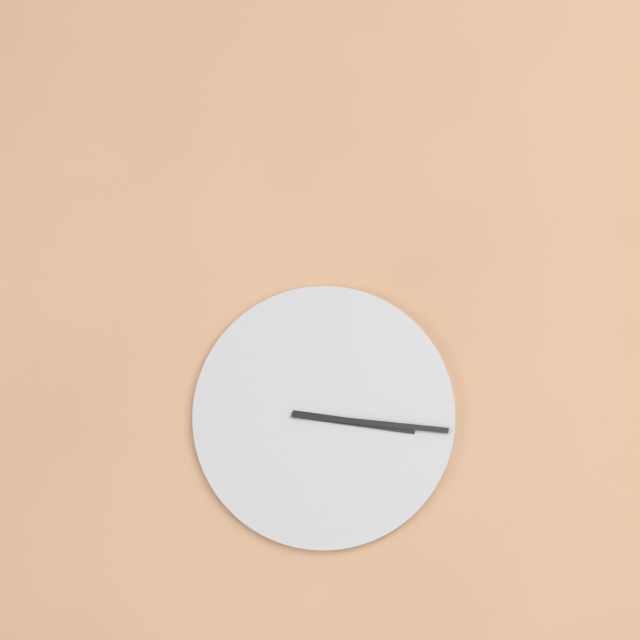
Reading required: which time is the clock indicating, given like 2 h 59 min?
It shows 3 h 16 min
